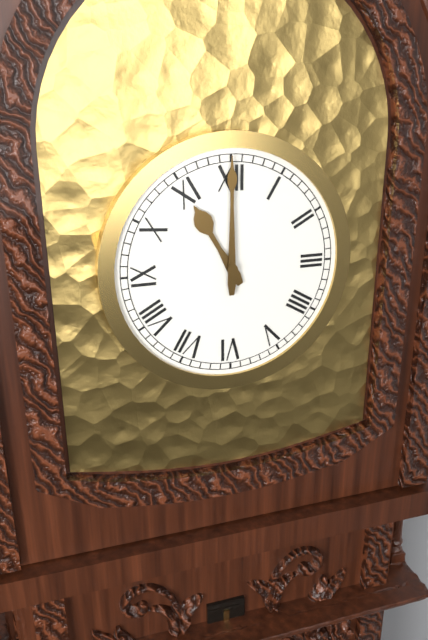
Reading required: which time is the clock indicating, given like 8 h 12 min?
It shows 11 h 00 min
